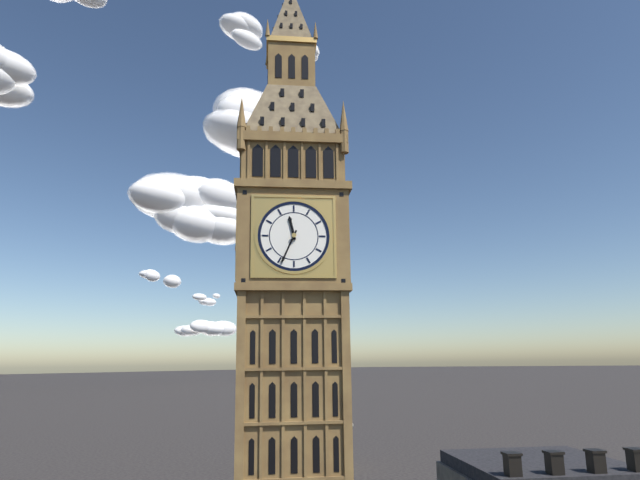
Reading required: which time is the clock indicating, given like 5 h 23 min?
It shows 11 h 34 min
